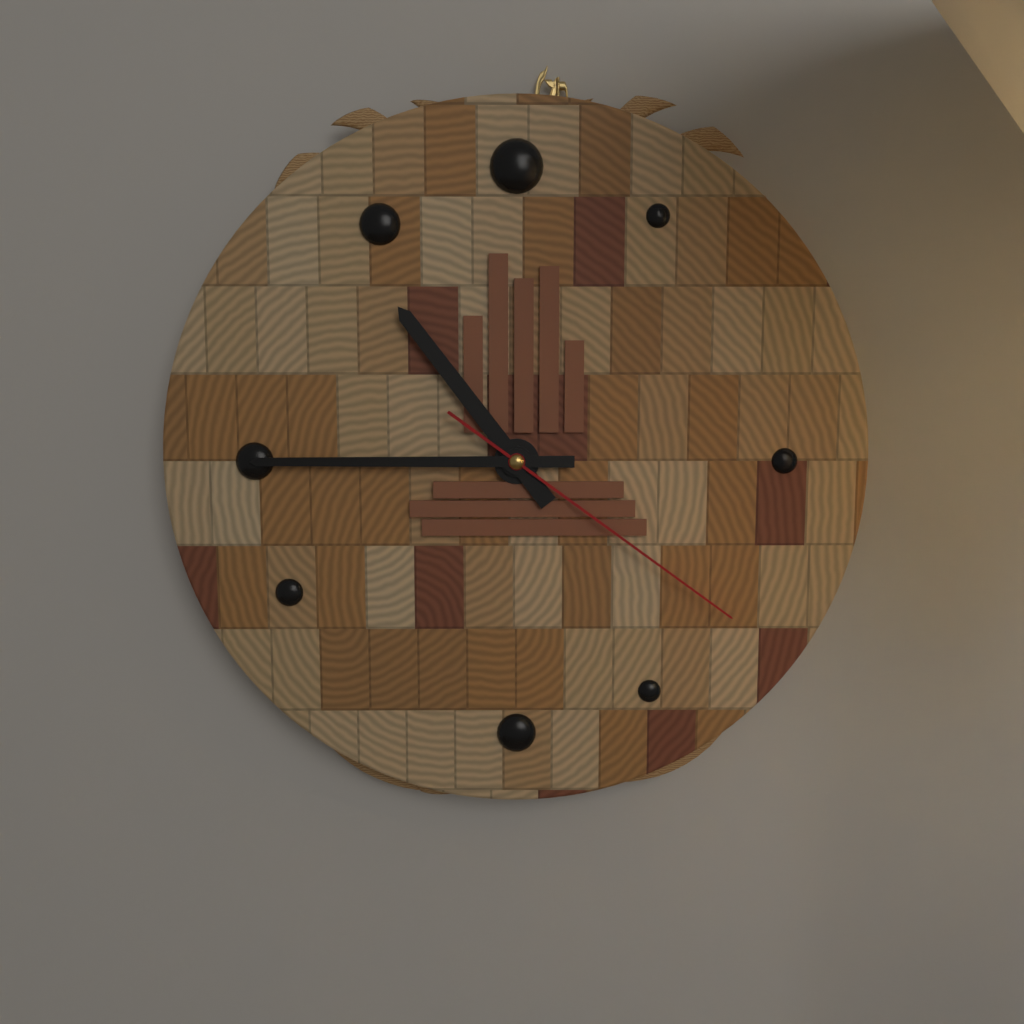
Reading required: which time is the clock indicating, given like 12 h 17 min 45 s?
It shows 10 h 45 min 21 s
